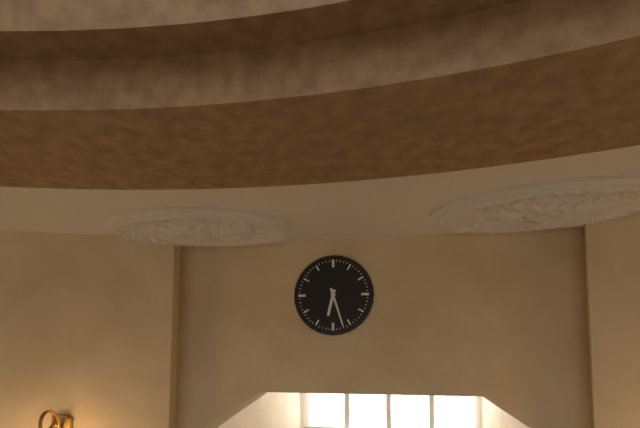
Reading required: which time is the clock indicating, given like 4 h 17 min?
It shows 6 h 27 min
